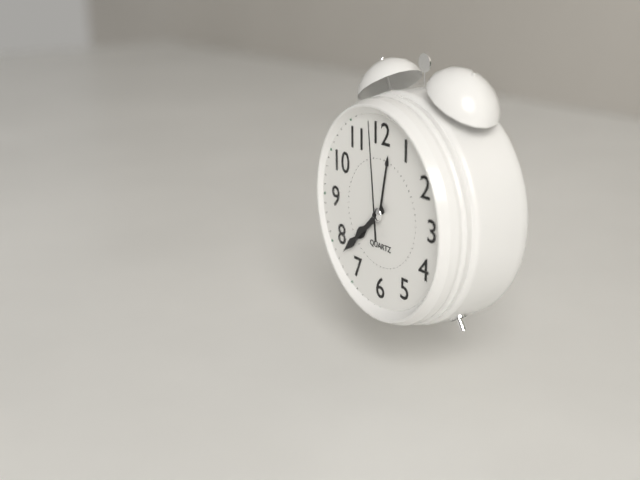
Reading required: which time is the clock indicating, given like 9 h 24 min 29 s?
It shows 7 h 38 min 59 s
